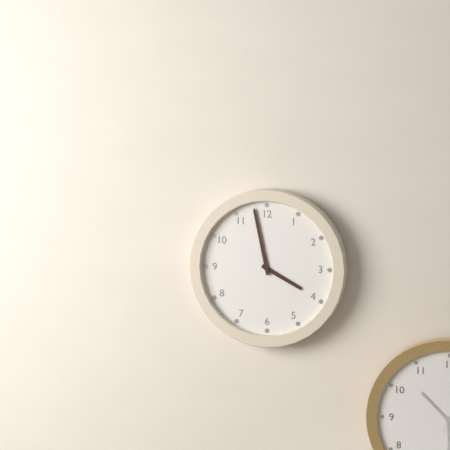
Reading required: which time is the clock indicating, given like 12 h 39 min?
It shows 3 h 58 min
